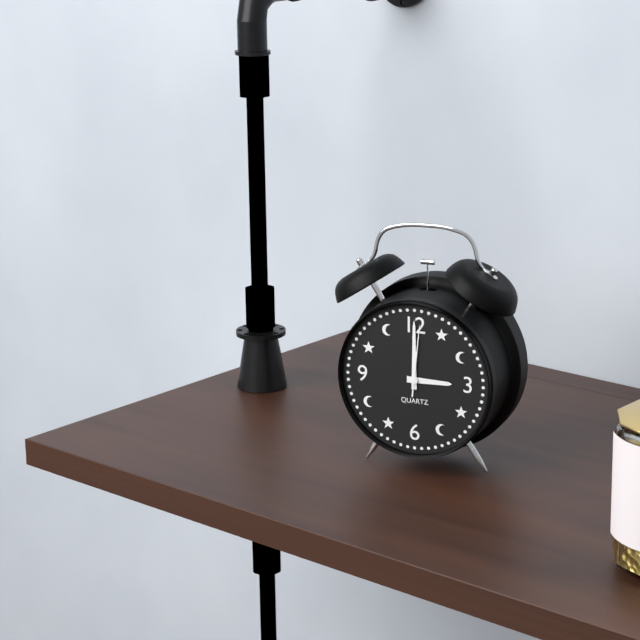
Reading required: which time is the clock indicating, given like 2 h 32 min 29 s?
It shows 3 h 00 min 01 s
